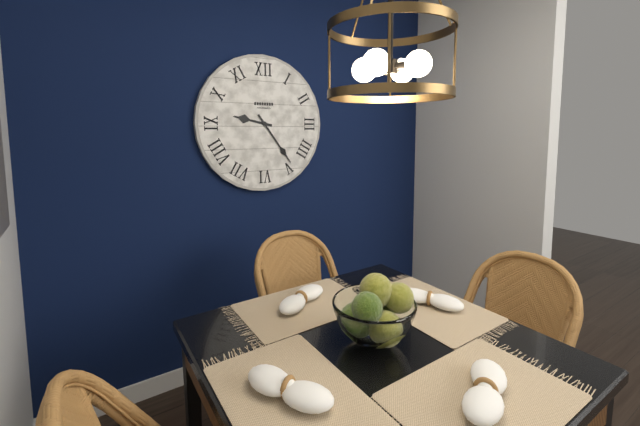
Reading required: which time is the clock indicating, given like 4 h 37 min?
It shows 9 h 24 min
